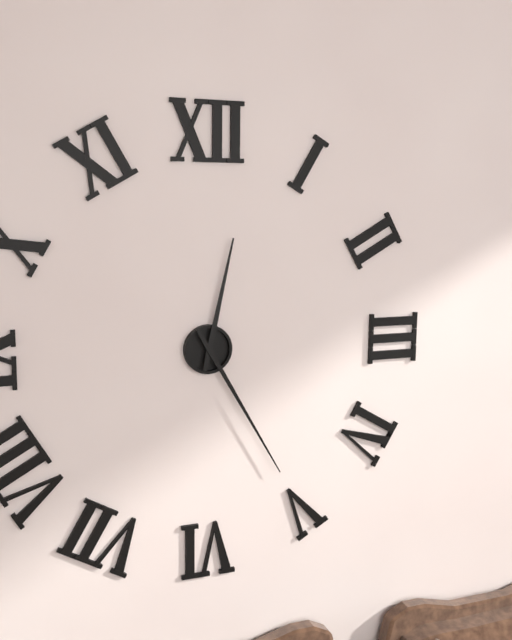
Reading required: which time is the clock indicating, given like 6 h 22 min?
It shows 12 h 25 min
